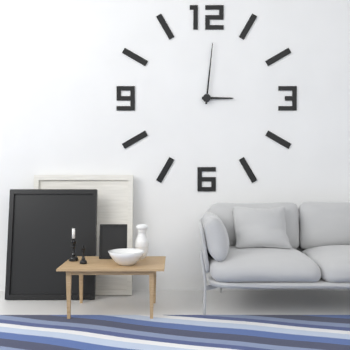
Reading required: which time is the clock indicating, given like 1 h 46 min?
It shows 3 h 01 min
